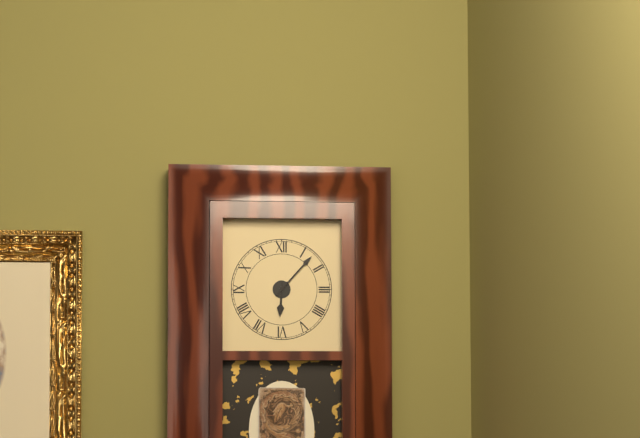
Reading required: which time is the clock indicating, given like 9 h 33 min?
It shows 6 h 07 min
